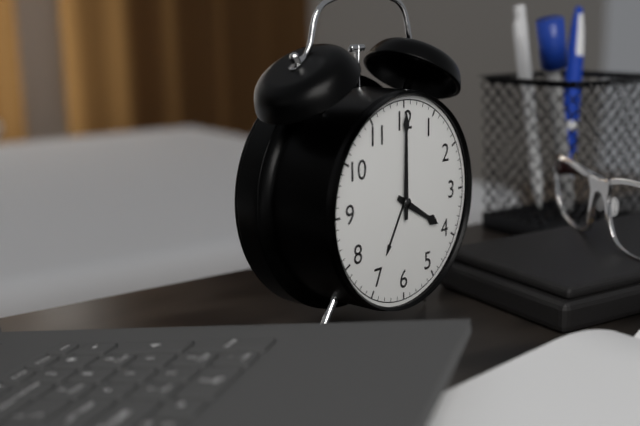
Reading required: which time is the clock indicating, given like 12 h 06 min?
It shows 4 h 00 min
